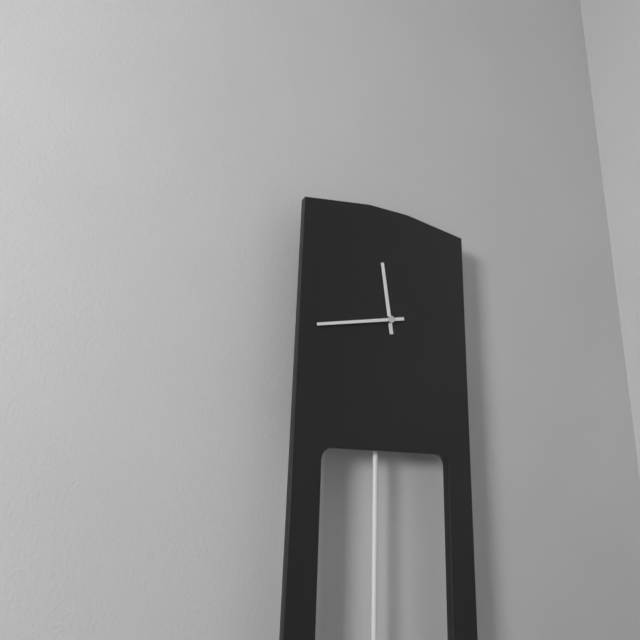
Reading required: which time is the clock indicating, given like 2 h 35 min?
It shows 11 h 43 min
